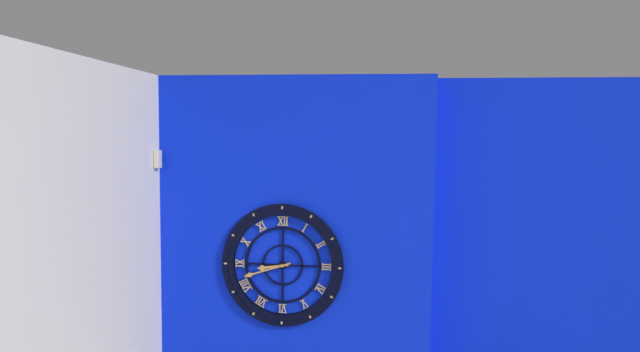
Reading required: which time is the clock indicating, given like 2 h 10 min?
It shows 8 h 42 min
